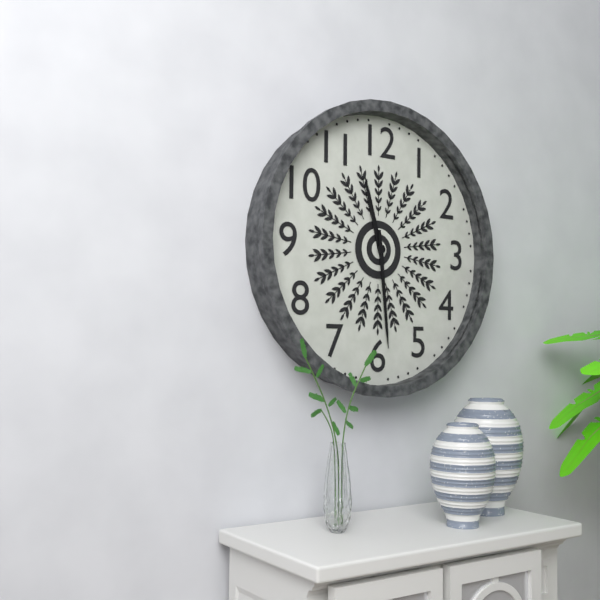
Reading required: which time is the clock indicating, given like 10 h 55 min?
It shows 11 h 29 min
